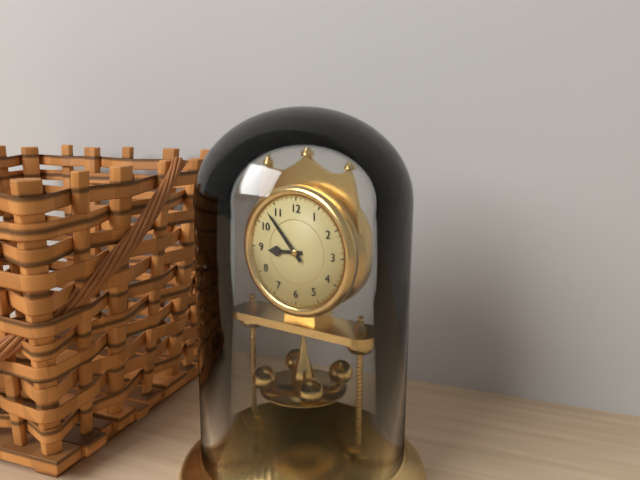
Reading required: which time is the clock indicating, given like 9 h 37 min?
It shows 8 h 53 min
